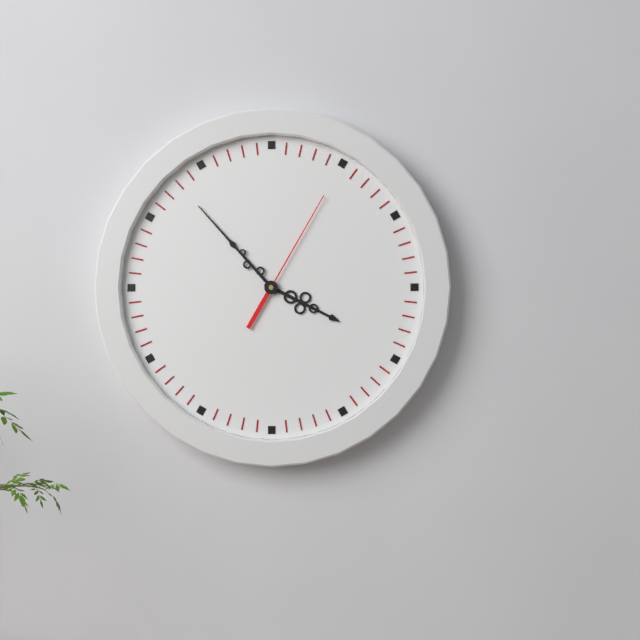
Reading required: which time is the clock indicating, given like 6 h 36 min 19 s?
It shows 3 h 53 min 05 s
